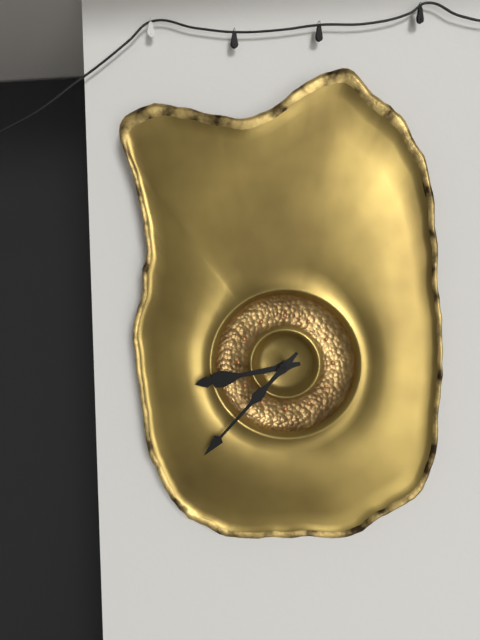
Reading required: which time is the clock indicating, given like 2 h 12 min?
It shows 8 h 37 min
